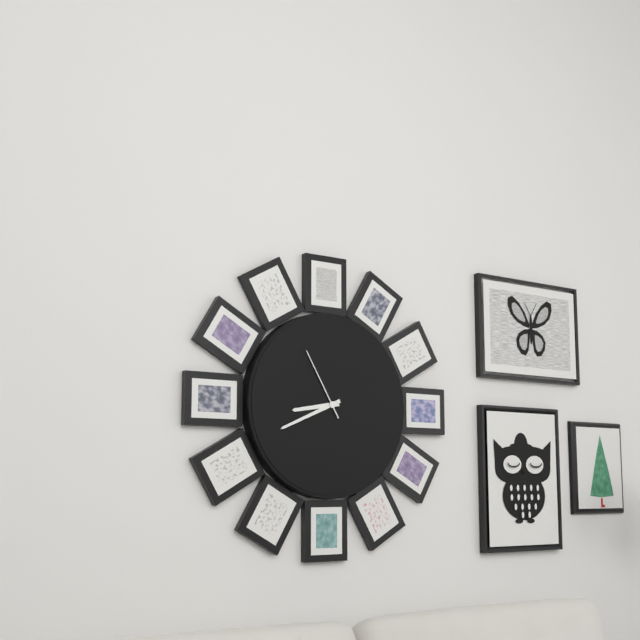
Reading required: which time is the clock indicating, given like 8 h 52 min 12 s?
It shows 8 h 41 min 55 s
